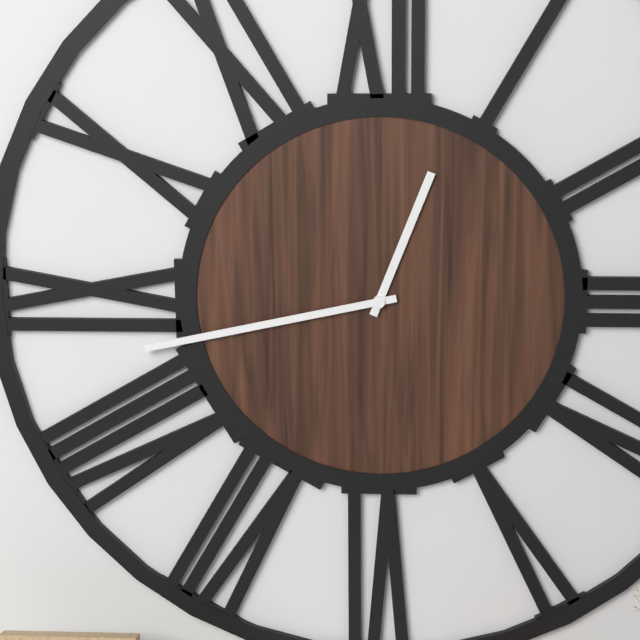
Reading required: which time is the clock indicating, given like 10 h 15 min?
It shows 12 h 43 min
